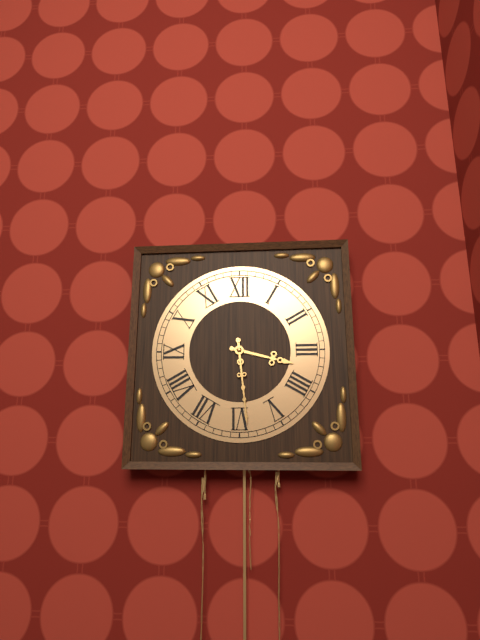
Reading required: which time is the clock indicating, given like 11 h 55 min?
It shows 3 h 29 min
